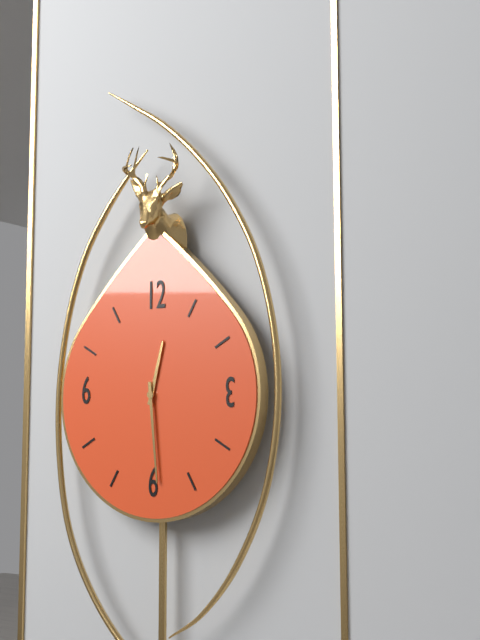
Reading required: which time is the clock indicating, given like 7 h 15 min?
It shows 12 h 29 min
